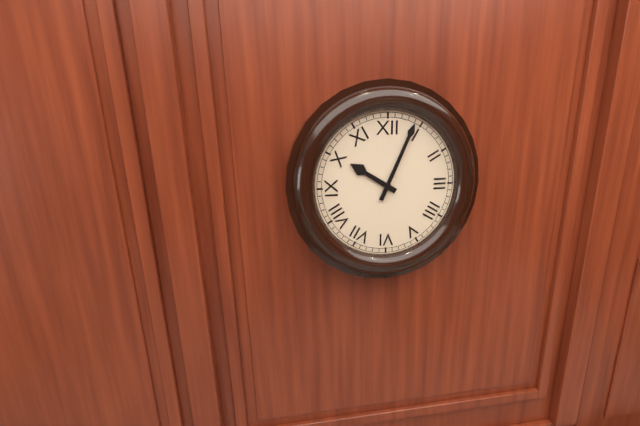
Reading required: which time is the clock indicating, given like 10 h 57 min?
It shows 10 h 04 min
